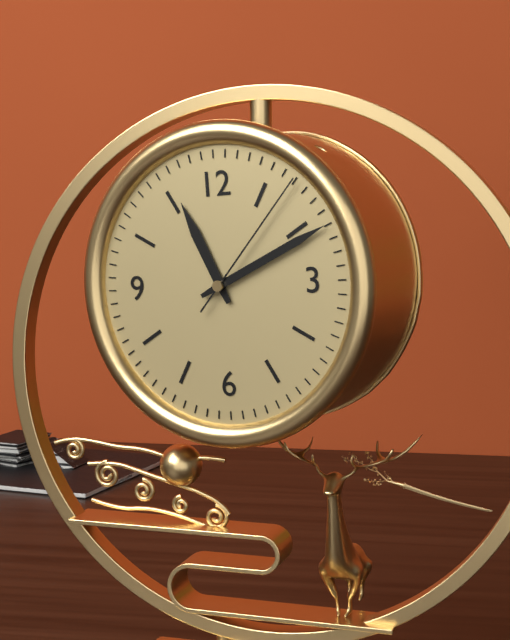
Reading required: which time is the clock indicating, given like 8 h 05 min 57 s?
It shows 11 h 11 min 07 s
